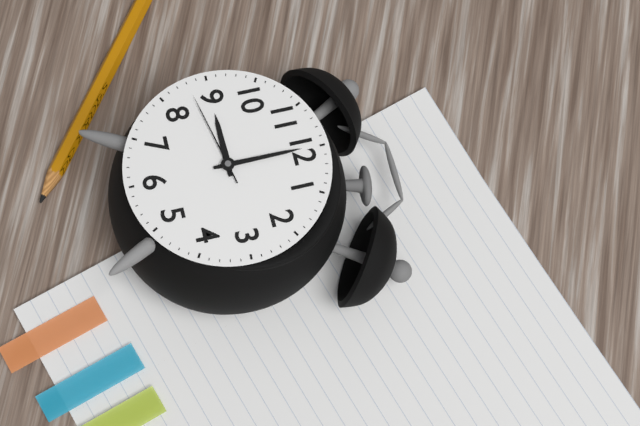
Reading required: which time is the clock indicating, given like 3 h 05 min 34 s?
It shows 9 h 00 min 43 s
